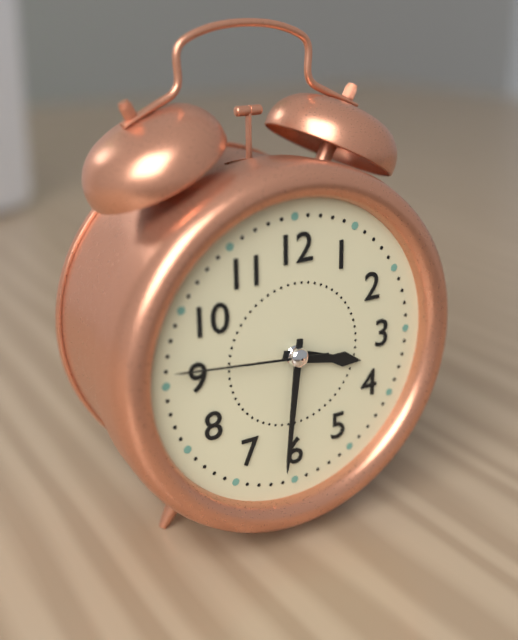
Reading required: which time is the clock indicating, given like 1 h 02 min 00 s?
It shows 3 h 31 min 46 s
